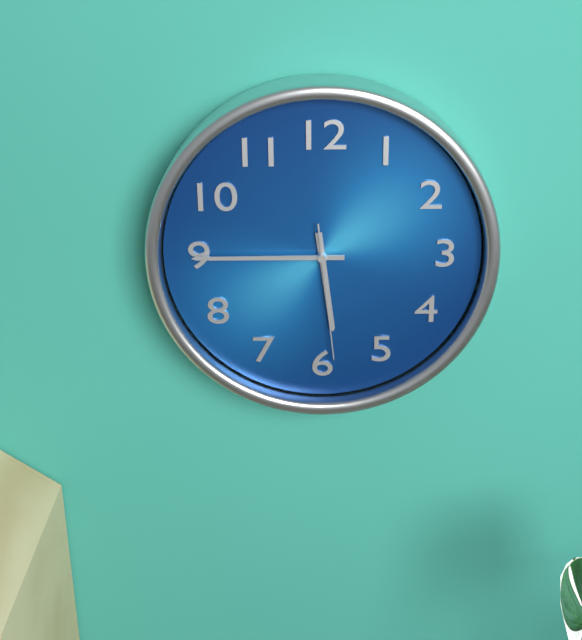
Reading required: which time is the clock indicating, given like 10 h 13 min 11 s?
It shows 5 h 45 min 29 s
